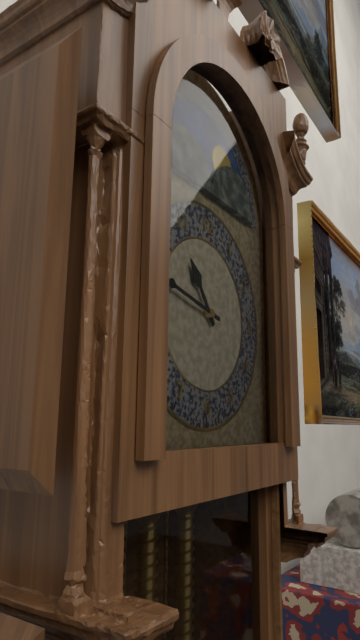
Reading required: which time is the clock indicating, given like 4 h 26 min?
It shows 10 h 47 min
